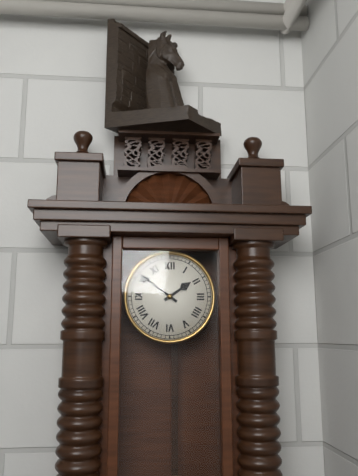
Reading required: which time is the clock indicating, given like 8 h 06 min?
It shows 1 h 51 min
